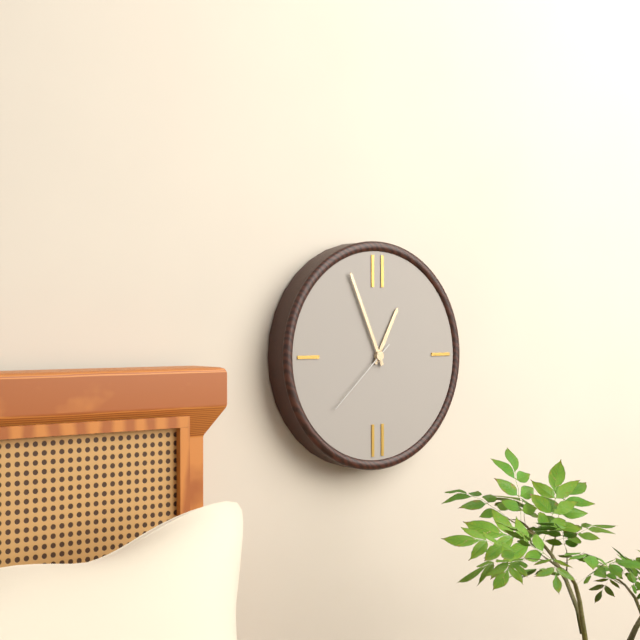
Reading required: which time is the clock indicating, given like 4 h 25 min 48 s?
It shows 12 h 56 min 38 s
